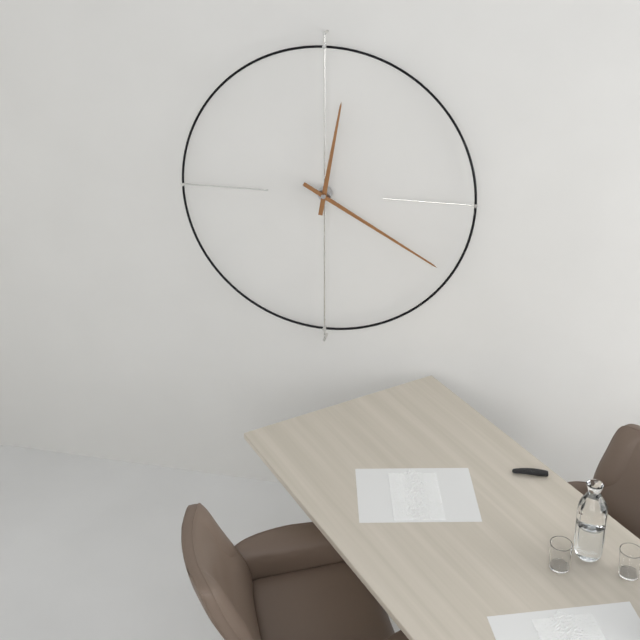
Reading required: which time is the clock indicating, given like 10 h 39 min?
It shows 12 h 20 min
